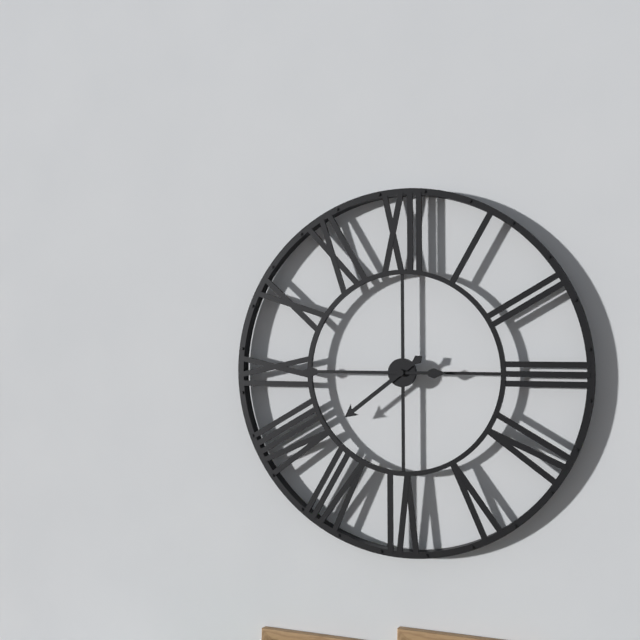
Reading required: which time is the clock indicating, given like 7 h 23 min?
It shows 7 h 45 min
